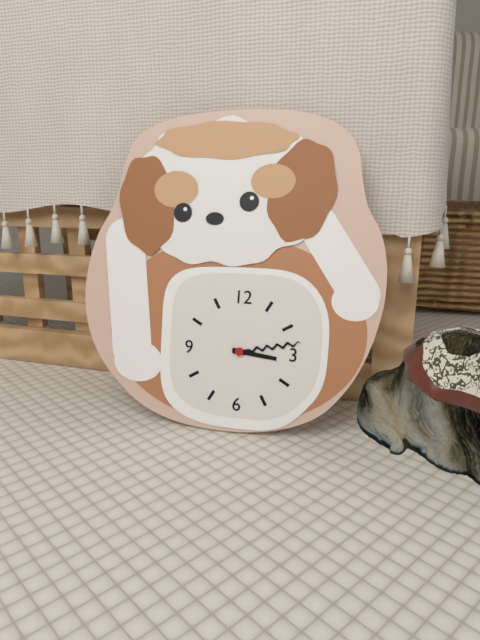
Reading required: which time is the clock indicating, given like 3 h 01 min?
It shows 3 h 13 min
